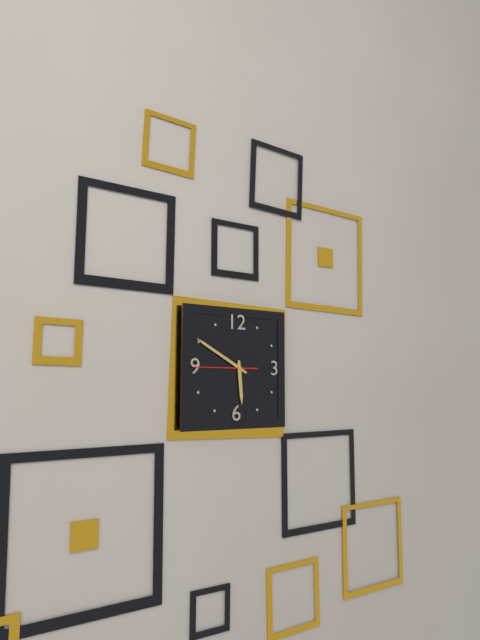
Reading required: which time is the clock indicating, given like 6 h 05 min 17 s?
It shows 5 h 50 min 45 s
